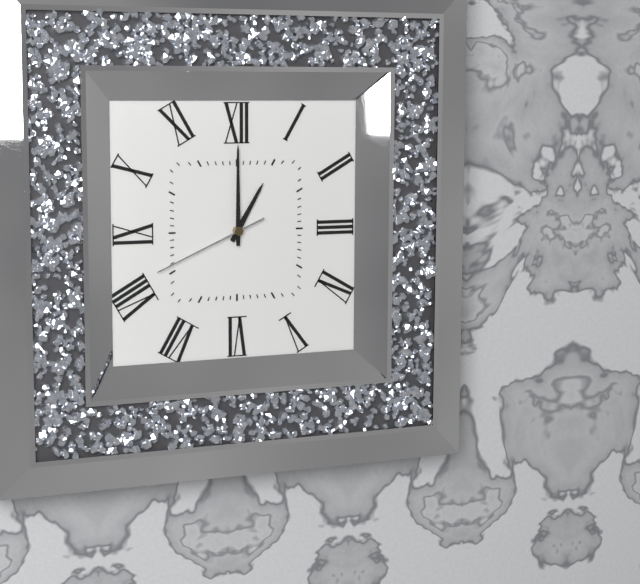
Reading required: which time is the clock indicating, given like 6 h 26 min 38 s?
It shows 1 h 00 min 41 s
